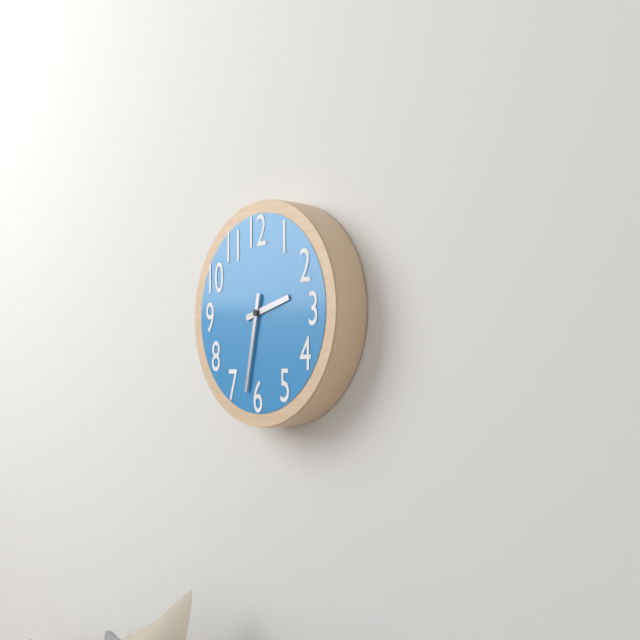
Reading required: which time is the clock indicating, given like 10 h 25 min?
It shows 2 h 32 min
